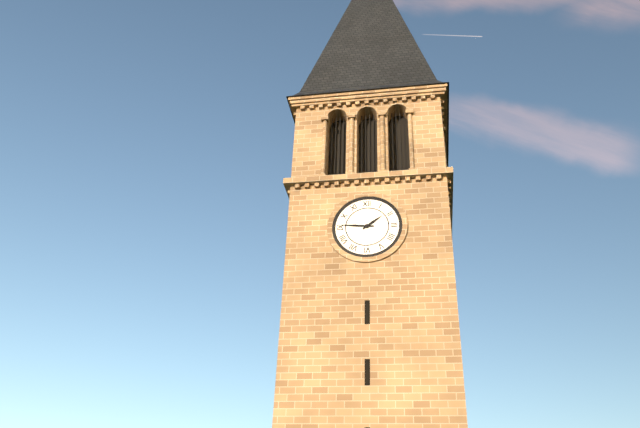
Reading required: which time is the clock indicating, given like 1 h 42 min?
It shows 1 h 46 min
